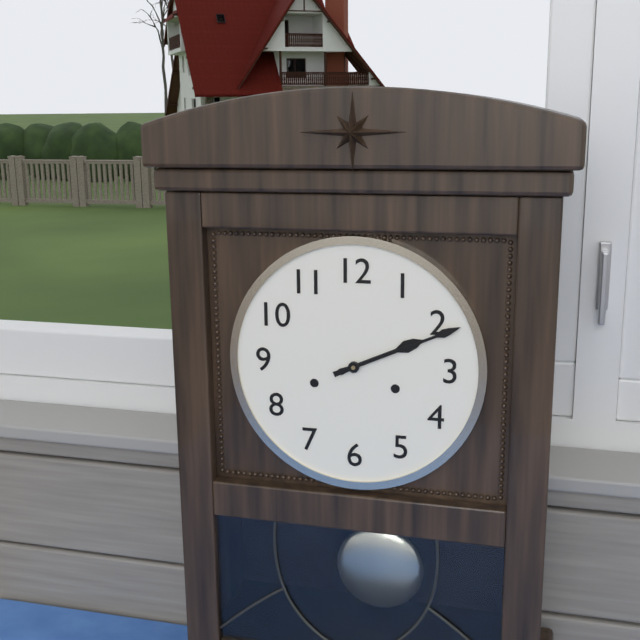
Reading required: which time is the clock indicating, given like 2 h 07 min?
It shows 2 h 11 min
